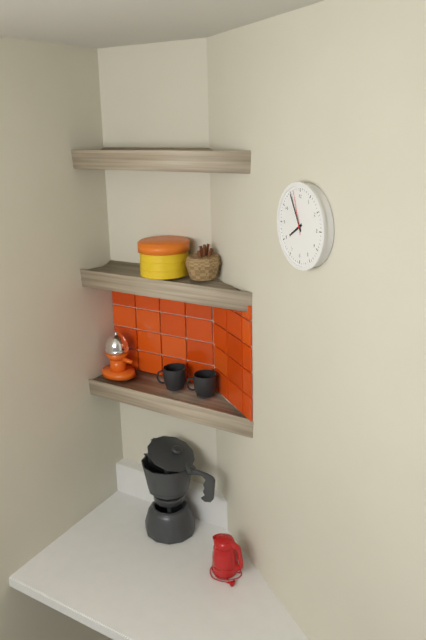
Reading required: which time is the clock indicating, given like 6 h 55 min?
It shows 7 h 55 min
